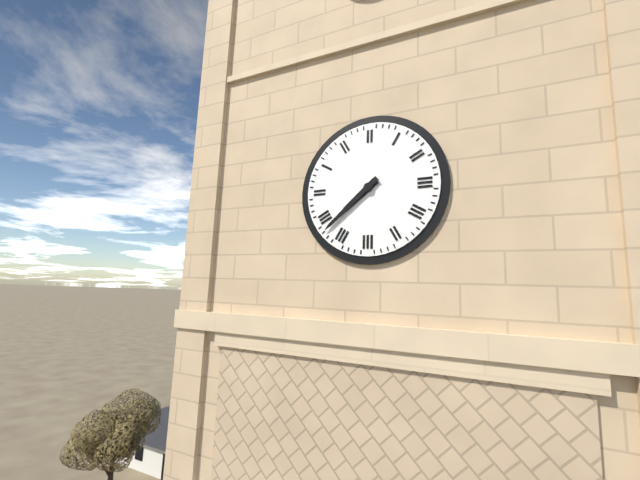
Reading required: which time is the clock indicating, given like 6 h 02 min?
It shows 7 h 38 min
